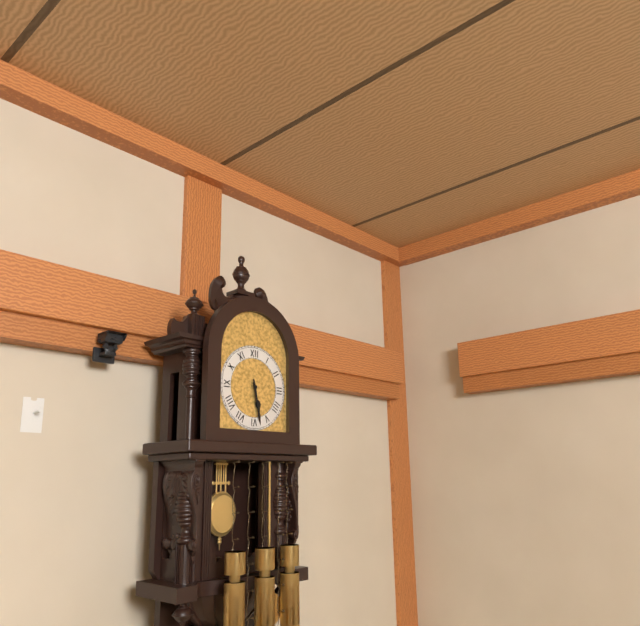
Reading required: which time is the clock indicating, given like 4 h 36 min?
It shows 5 h 28 min
